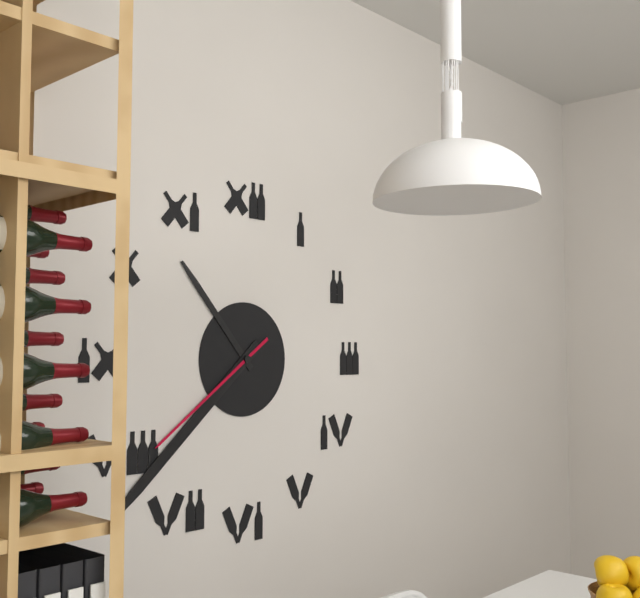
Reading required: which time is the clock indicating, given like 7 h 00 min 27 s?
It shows 10 h 38 min 39 s
